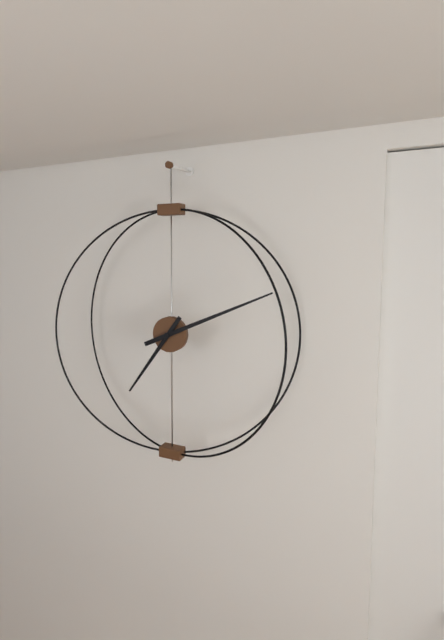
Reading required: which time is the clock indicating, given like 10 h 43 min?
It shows 7 h 11 min
